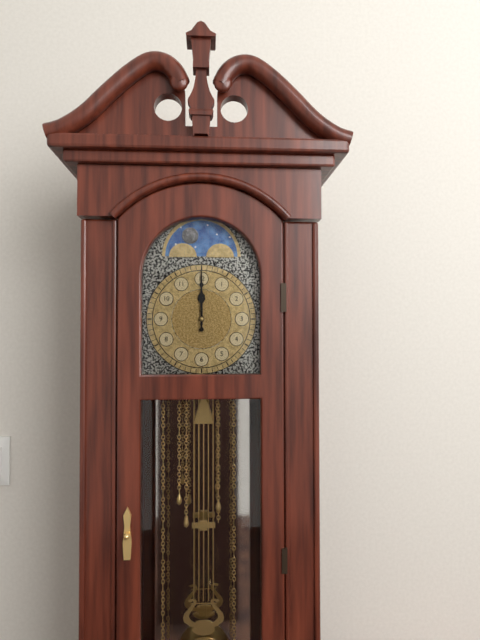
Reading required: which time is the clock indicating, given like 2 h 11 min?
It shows 12 h 00 min
